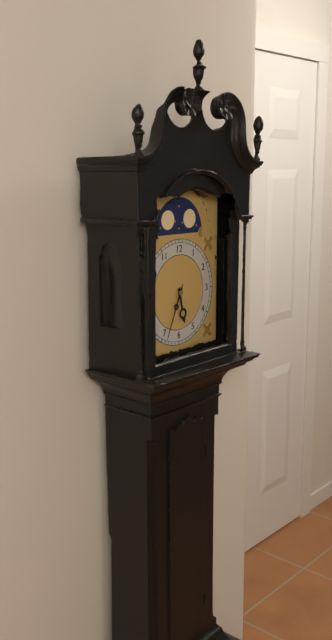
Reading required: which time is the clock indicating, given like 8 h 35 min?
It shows 5 h 34 min
